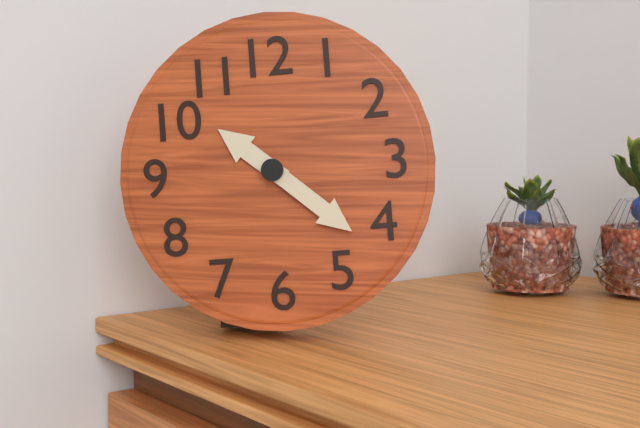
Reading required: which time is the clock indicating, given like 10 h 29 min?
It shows 10 h 22 min
